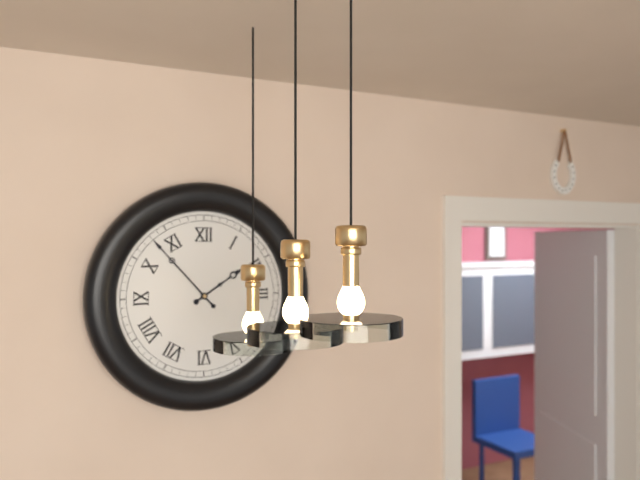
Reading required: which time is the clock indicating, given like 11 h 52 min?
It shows 1 h 53 min
